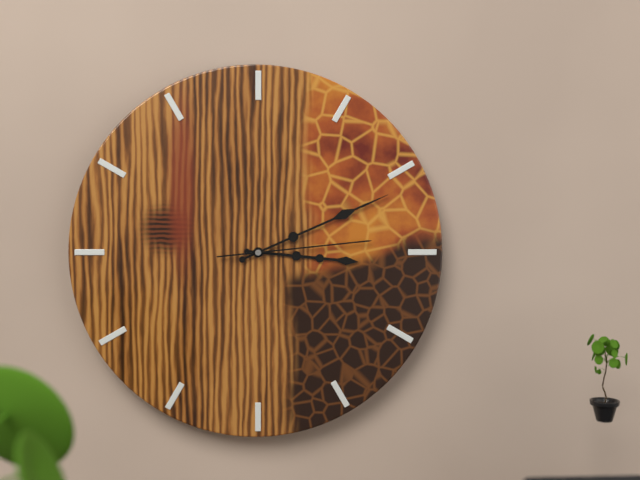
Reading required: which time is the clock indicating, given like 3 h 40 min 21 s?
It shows 3 h 11 min 14 s
